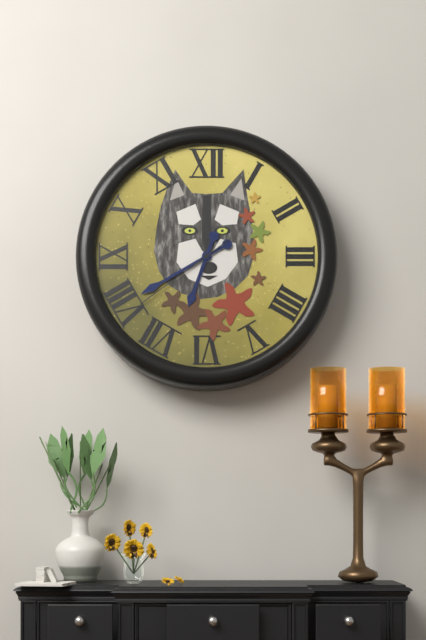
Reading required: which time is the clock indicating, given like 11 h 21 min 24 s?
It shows 6 h 40 min 39 s
